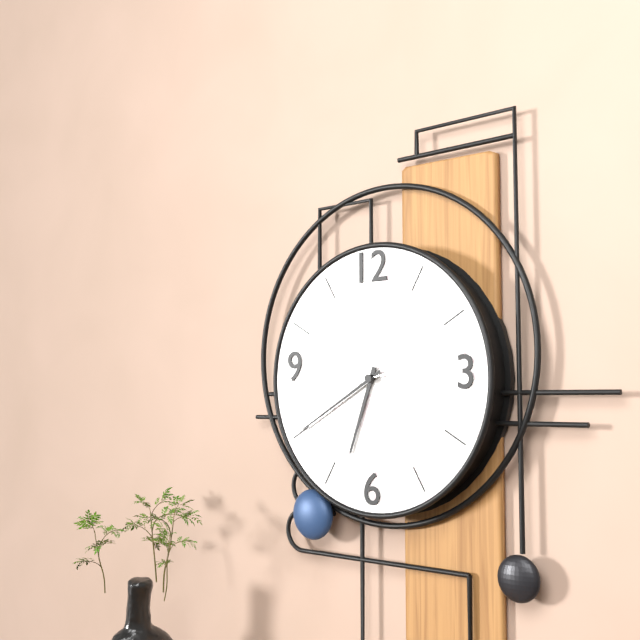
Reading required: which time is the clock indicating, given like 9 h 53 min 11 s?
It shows 6 h 40 min 13 s
